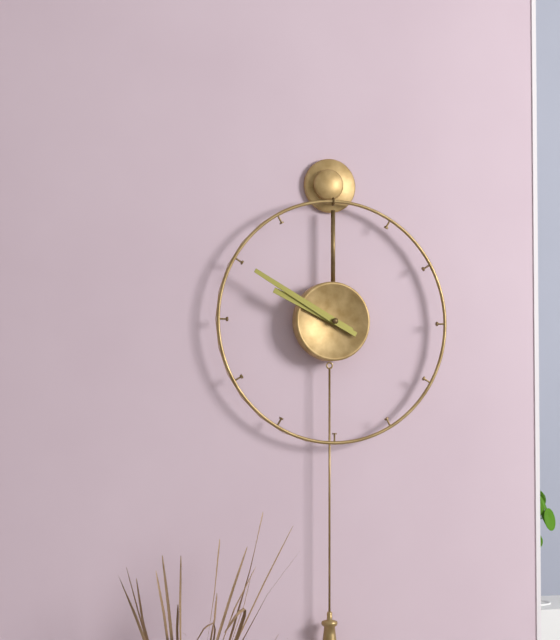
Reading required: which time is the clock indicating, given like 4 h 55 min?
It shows 9 h 50 min
